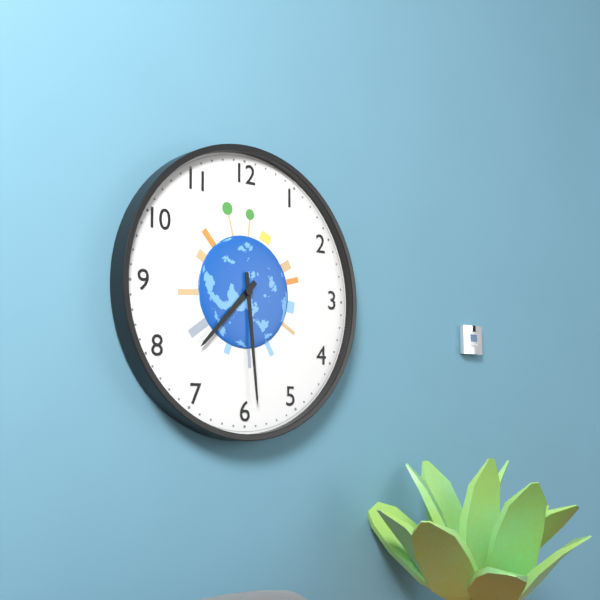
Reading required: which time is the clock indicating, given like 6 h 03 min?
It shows 7 h 29 min
